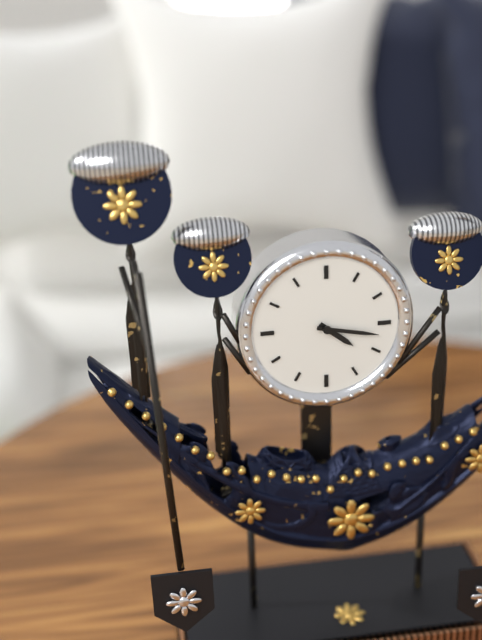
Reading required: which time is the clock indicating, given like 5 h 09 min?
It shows 4 h 17 min
